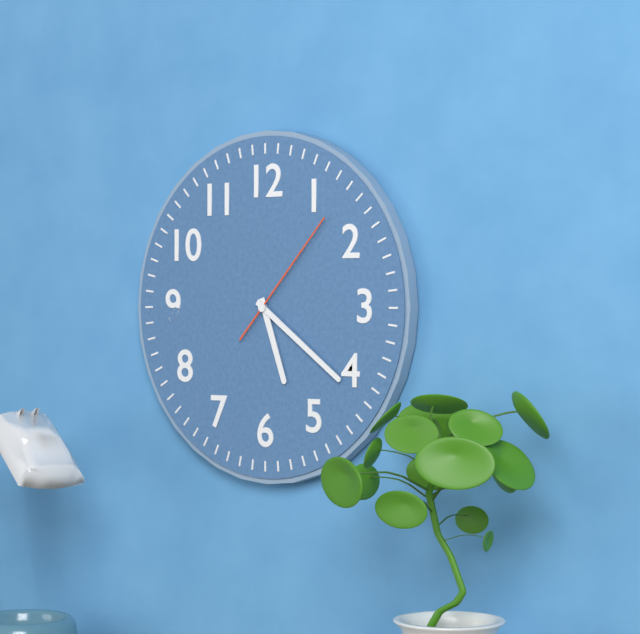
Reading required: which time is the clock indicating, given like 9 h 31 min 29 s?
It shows 5 h 21 min 07 s
